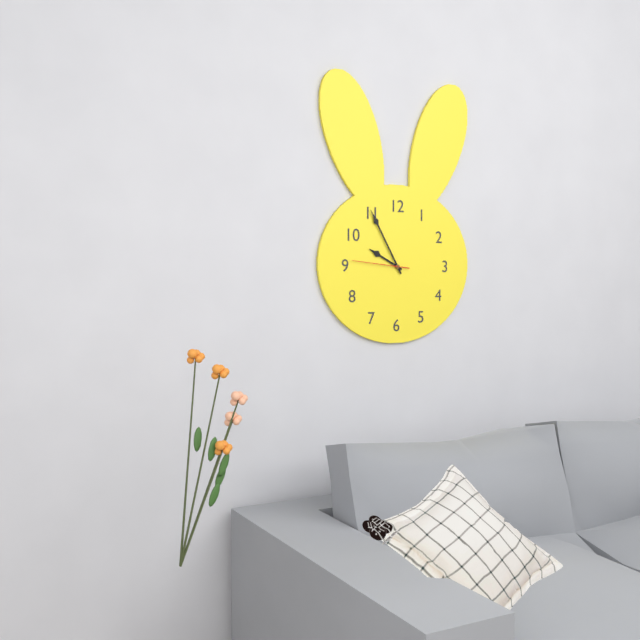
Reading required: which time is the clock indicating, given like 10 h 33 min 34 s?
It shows 9 h 55 min 46 s
